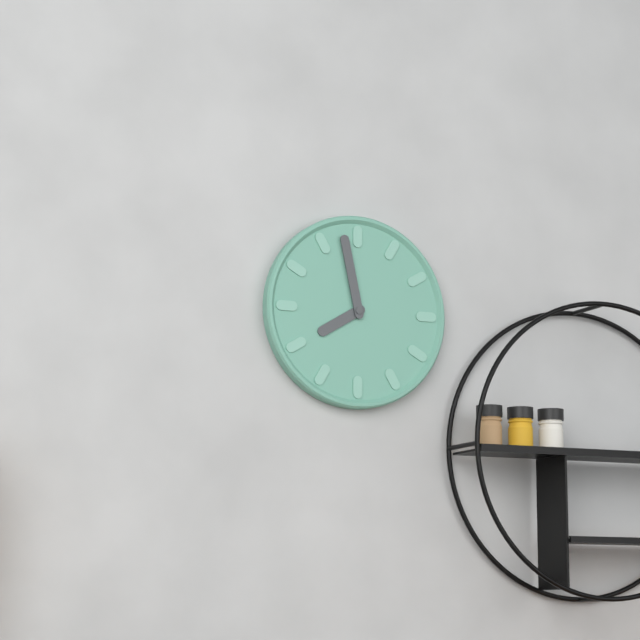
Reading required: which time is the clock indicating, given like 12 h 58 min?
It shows 7 h 58 min
